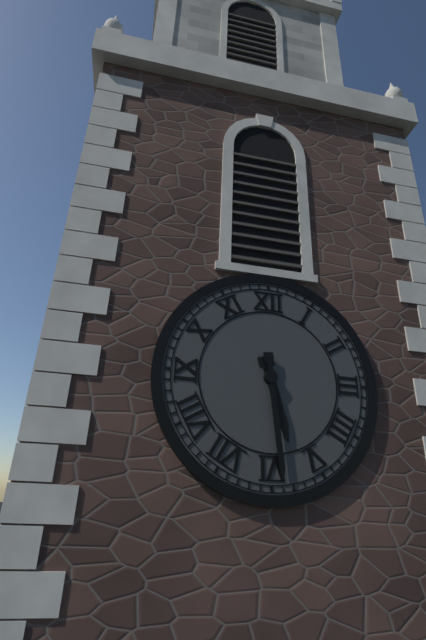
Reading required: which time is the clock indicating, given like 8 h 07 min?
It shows 5 h 29 min
